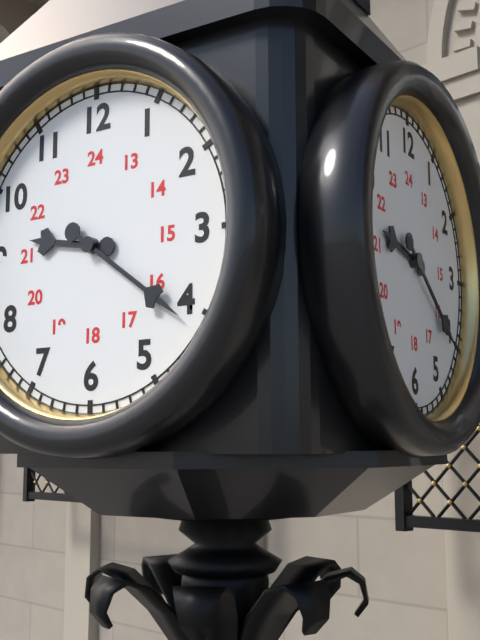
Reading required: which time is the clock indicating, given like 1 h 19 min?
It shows 9 h 21 min
